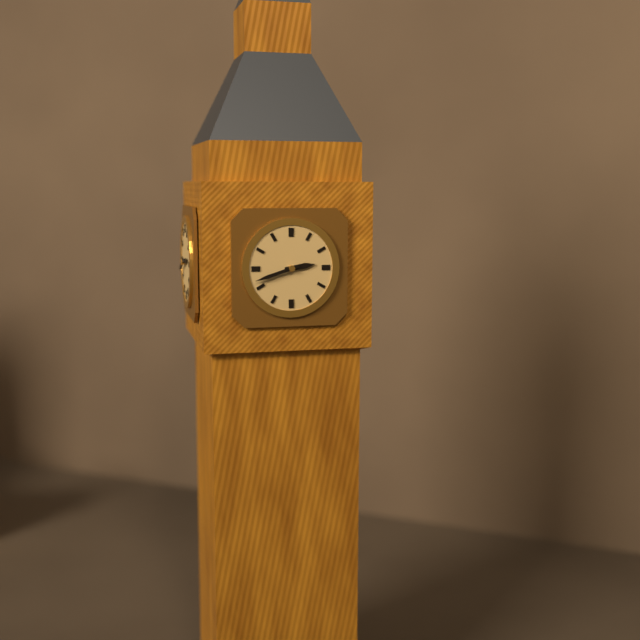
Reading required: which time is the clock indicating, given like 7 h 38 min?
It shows 2 h 42 min
